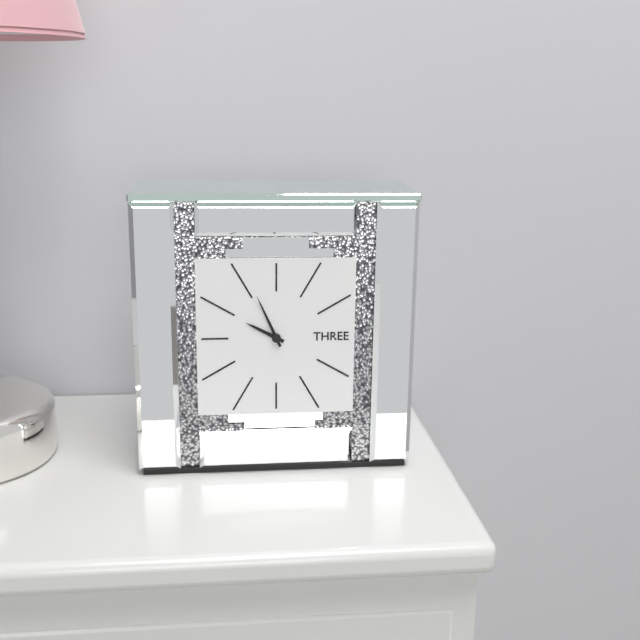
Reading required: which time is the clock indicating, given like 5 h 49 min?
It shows 9 h 56 min
